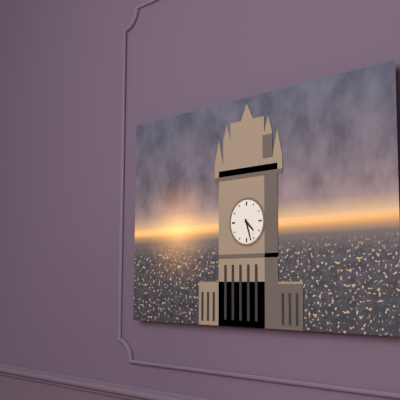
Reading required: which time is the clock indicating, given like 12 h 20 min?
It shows 4 h 27 min
